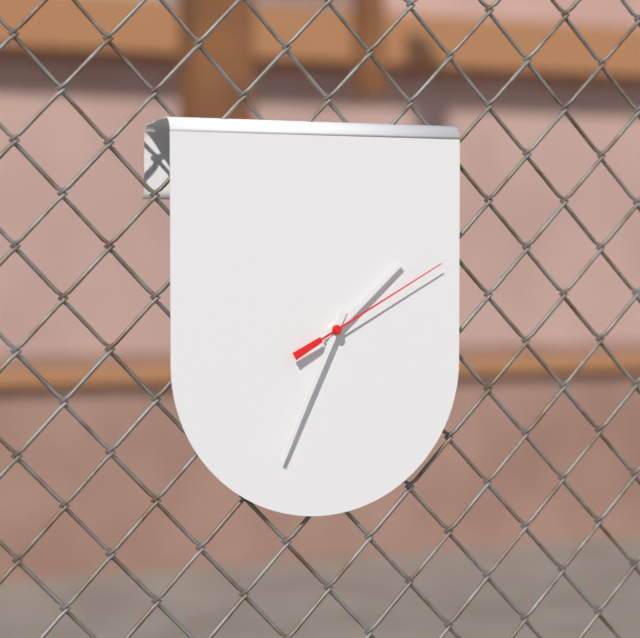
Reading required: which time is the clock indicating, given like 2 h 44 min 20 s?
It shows 1 h 34 min 10 s
